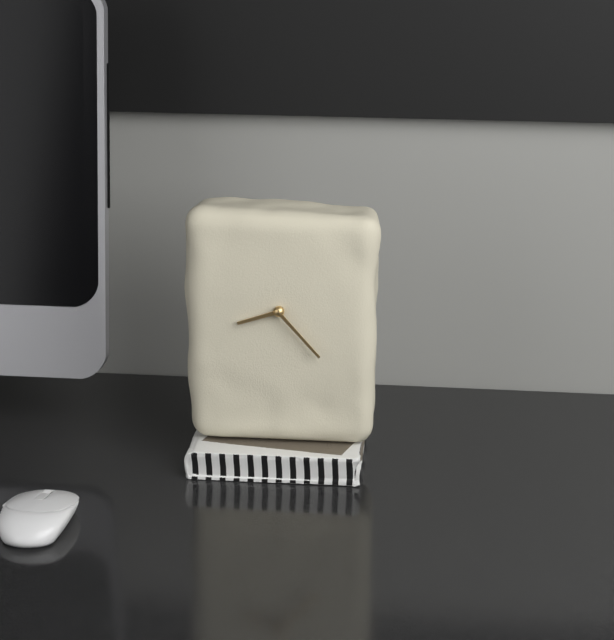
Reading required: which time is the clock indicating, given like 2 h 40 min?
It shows 8 h 23 min
